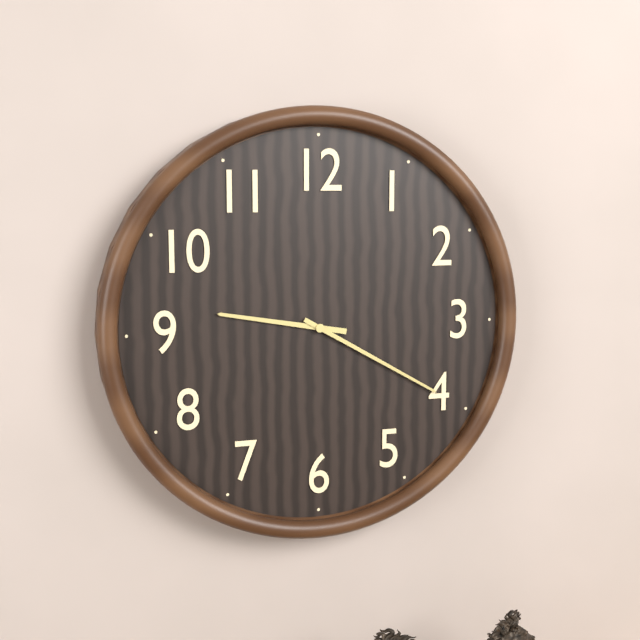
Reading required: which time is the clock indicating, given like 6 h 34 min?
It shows 9 h 20 min
